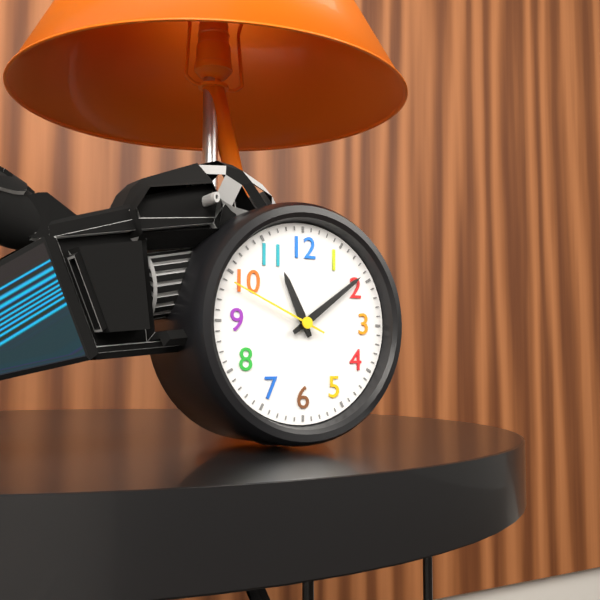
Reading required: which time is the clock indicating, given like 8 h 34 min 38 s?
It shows 11 h 09 min 49 s
